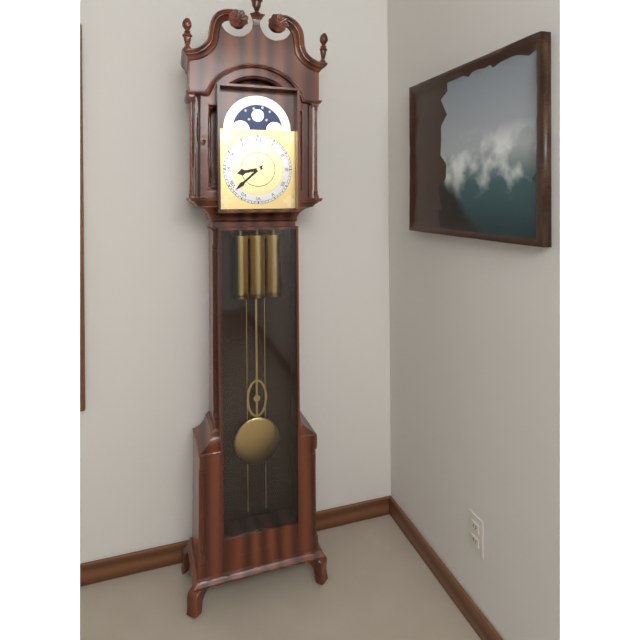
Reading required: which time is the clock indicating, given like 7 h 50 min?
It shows 8 h 38 min
